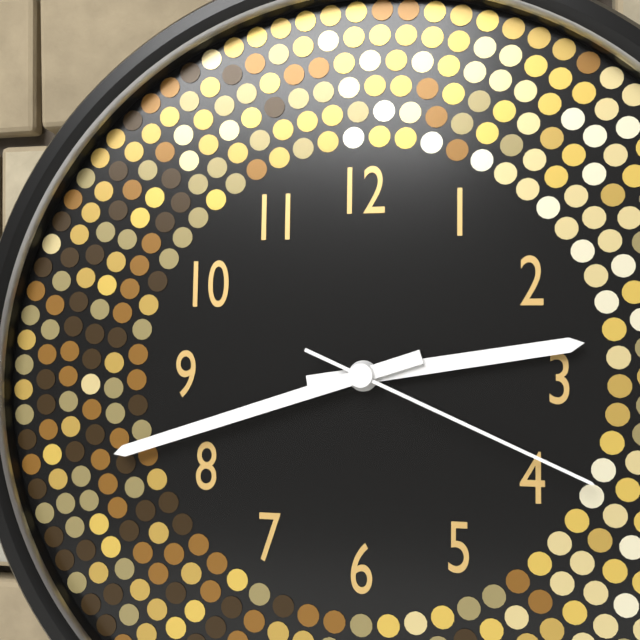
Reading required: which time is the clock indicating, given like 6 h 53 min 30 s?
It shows 2 h 42 min 19 s
